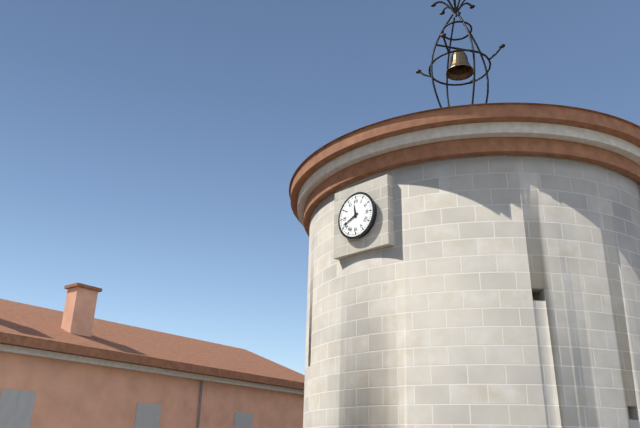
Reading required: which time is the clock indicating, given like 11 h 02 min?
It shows 11 h 41 min
